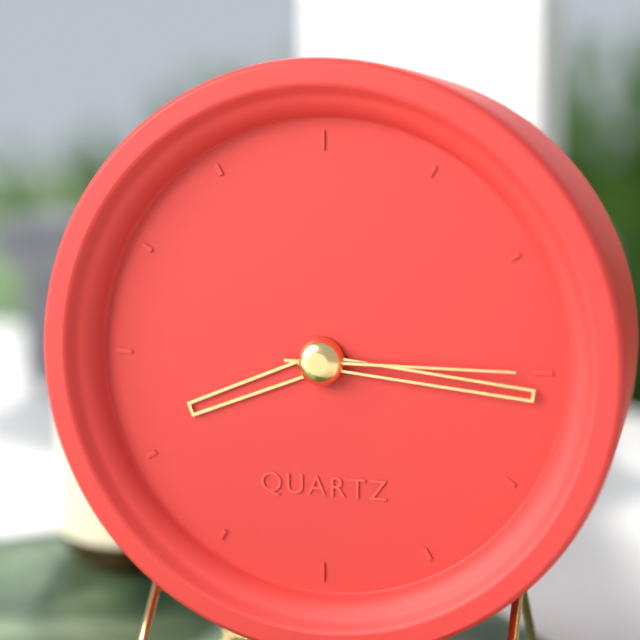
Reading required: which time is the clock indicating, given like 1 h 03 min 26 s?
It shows 8 h 16 min 15 s
